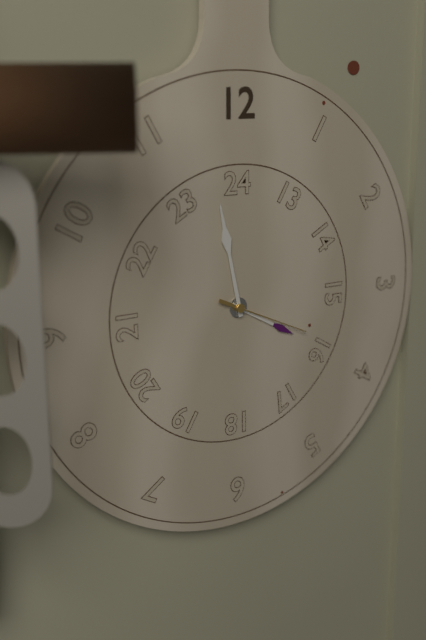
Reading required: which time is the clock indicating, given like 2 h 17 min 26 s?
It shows 3 h 58 min 19 s
